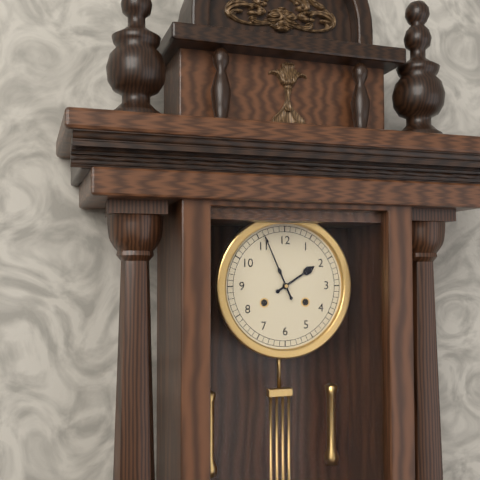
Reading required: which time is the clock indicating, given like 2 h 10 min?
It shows 1 h 56 min
